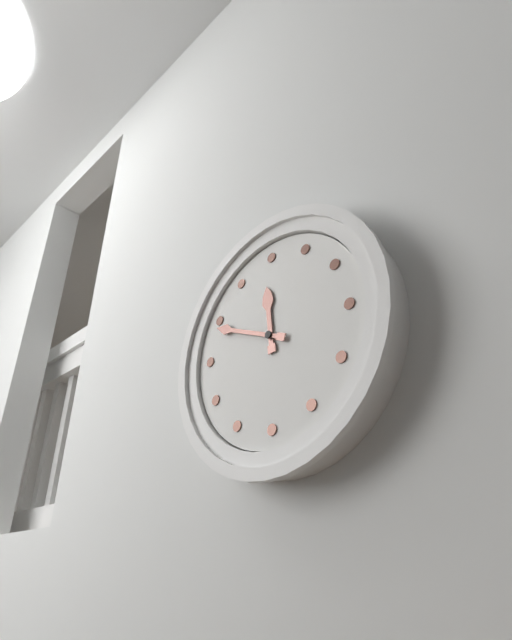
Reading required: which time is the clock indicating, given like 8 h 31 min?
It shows 11 h 49 min
